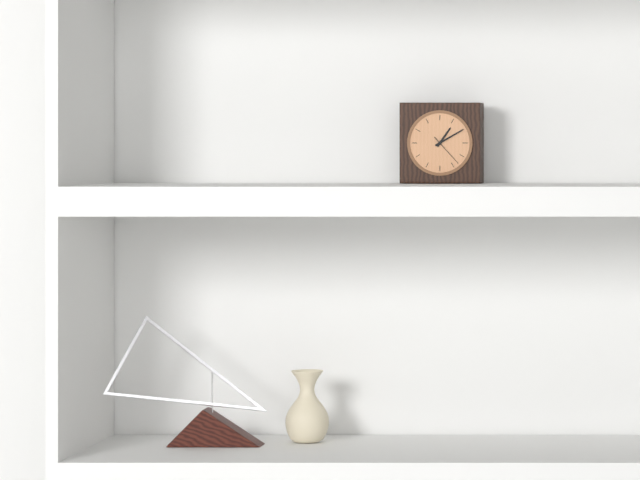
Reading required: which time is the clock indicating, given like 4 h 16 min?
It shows 1 h 10 min
